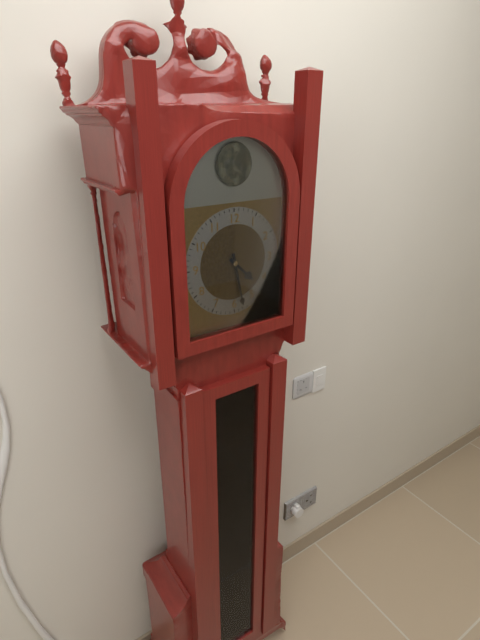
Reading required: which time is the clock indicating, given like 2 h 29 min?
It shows 4 h 28 min
